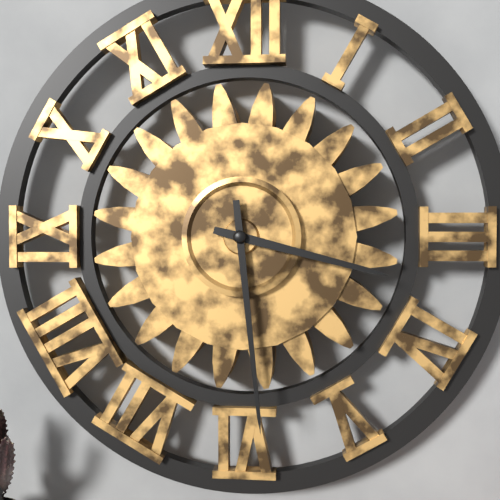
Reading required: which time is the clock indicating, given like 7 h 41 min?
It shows 3 h 29 min
